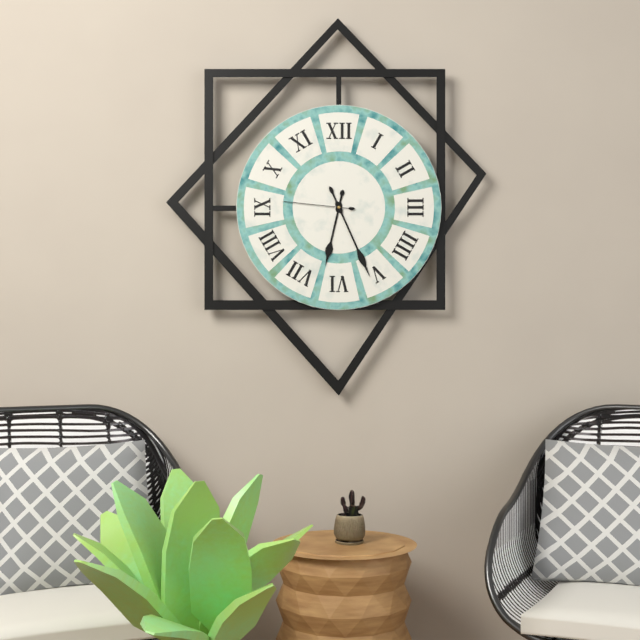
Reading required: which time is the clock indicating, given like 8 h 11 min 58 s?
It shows 6 h 26 min 46 s
